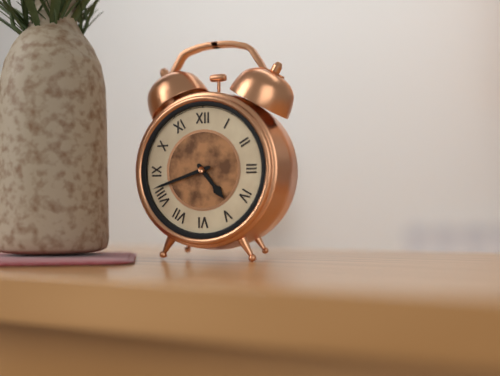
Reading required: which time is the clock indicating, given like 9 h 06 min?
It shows 4 h 42 min
